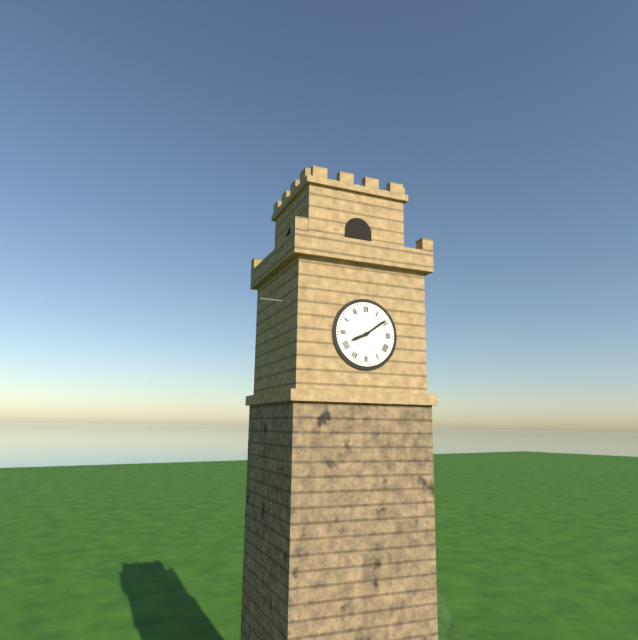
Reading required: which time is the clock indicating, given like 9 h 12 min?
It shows 8 h 09 min
